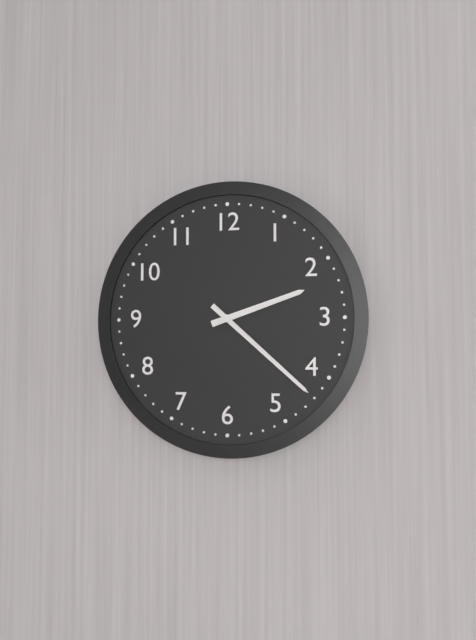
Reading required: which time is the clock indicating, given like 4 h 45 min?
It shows 2 h 22 min
